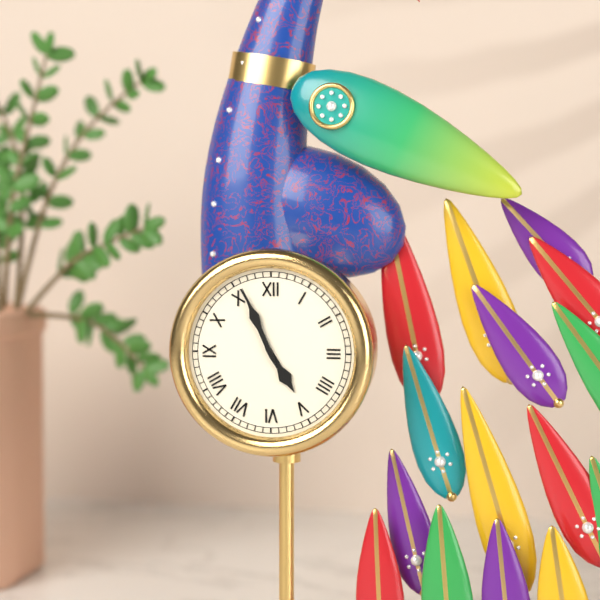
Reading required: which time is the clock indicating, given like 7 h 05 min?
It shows 4 h 56 min
